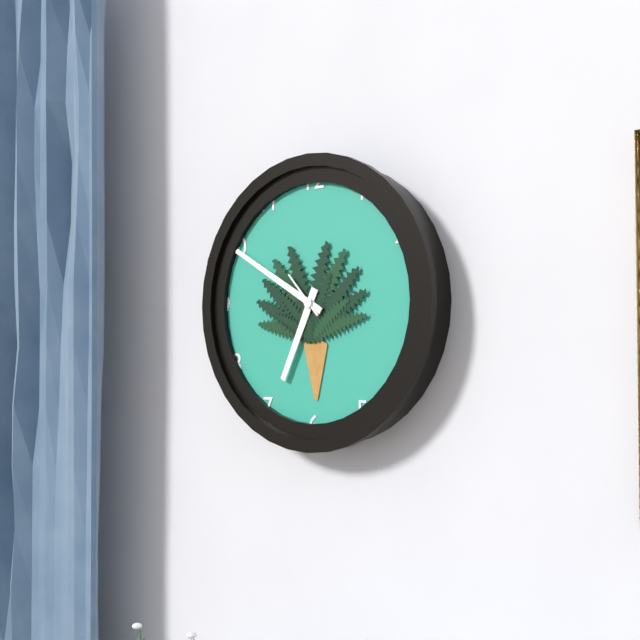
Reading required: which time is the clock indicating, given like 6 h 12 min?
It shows 6 h 50 min
